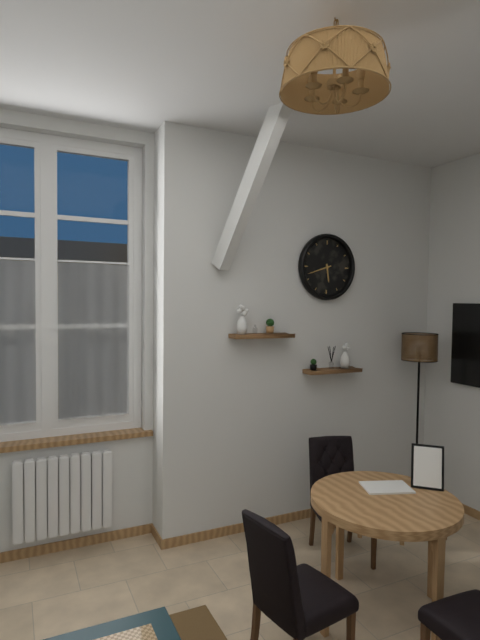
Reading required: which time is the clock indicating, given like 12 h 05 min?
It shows 5 h 42 min
